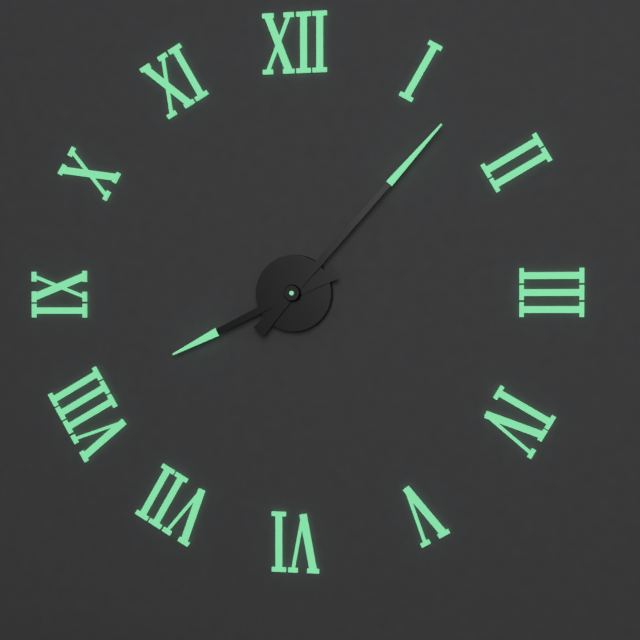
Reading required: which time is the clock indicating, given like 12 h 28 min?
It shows 8 h 07 min
